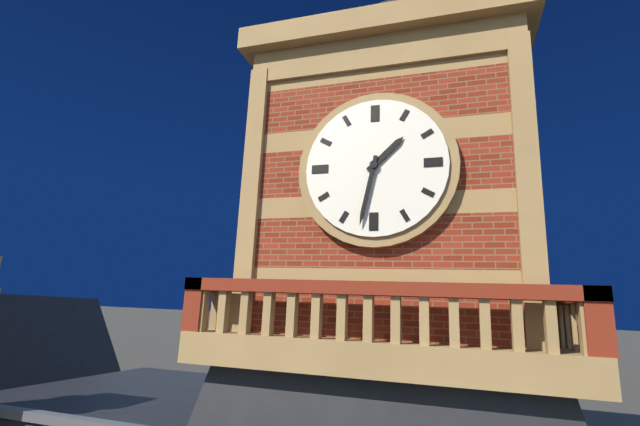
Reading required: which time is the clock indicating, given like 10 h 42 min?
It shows 1 h 32 min
